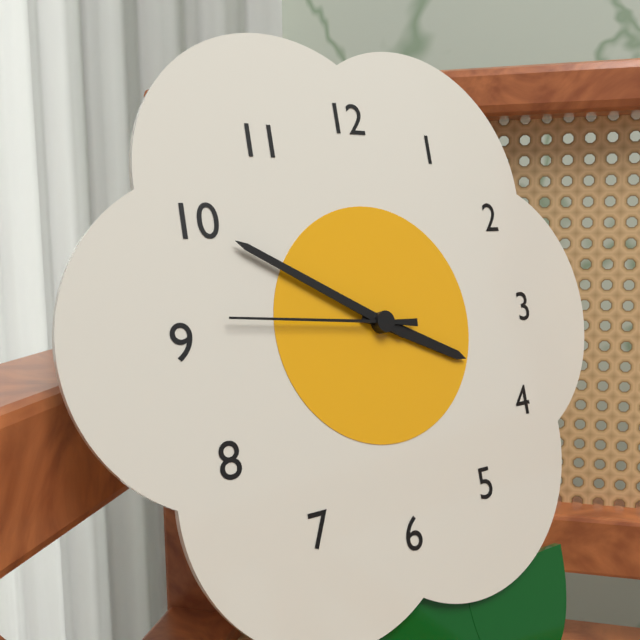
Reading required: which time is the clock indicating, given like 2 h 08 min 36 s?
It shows 3 h 50 min 46 s
